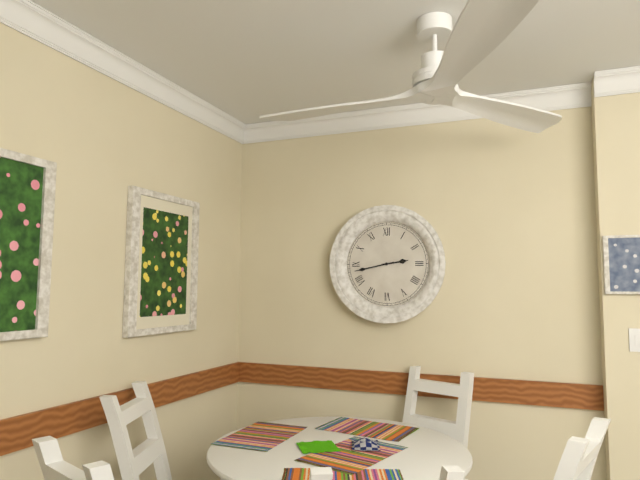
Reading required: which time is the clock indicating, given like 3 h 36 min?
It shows 2 h 43 min
